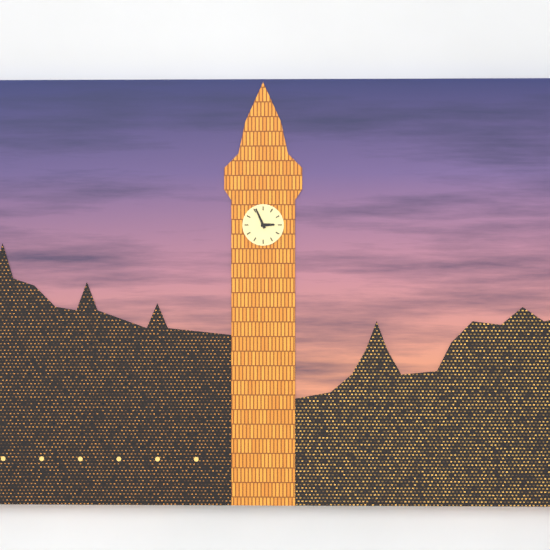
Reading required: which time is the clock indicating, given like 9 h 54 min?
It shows 2 h 56 min
